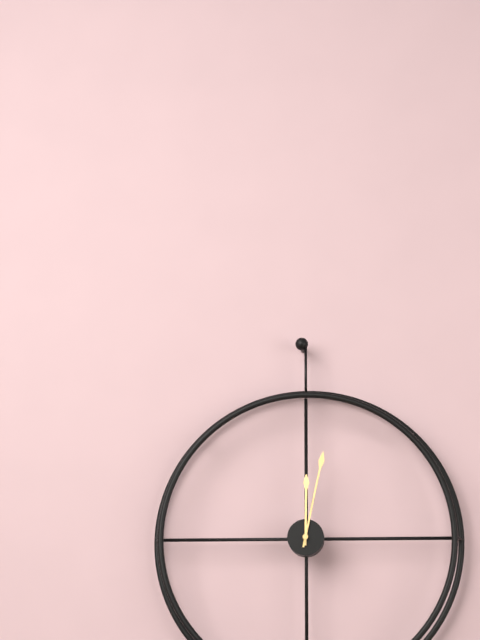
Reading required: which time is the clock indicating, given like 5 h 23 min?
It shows 12 h 02 min
